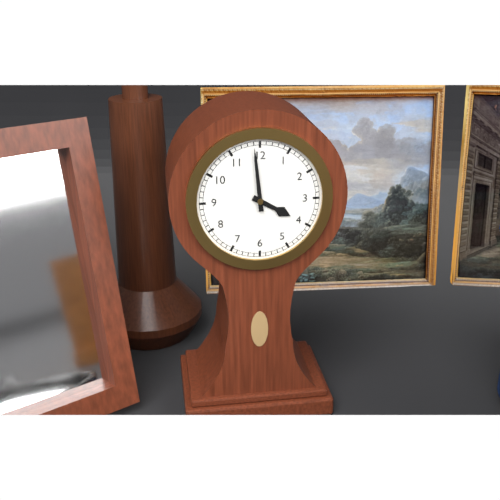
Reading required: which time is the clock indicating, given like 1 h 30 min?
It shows 3 h 59 min
